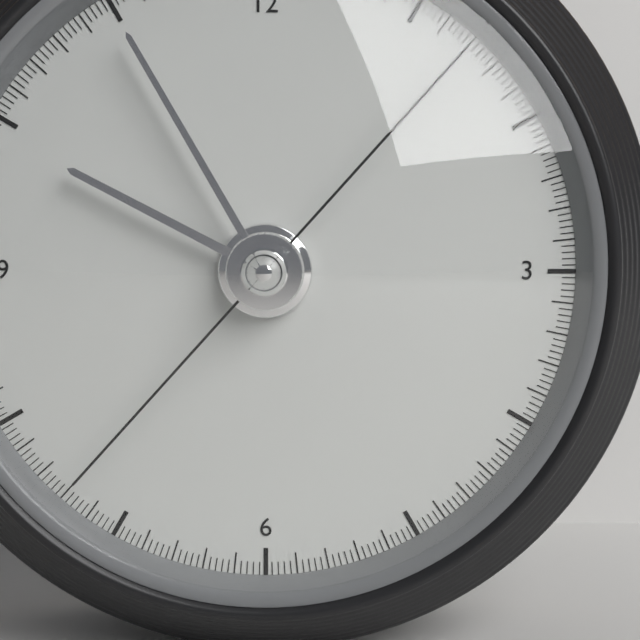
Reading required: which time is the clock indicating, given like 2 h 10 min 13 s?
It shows 9 h 55 min 37 s
